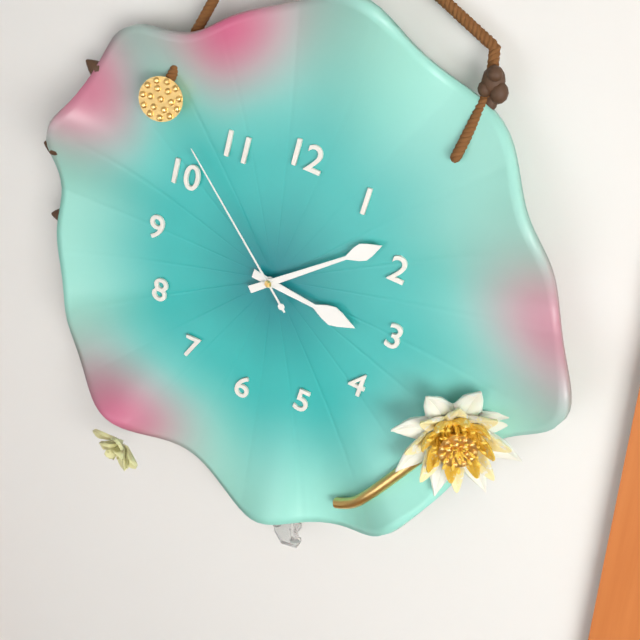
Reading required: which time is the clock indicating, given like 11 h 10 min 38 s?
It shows 3 h 08 min 52 s
